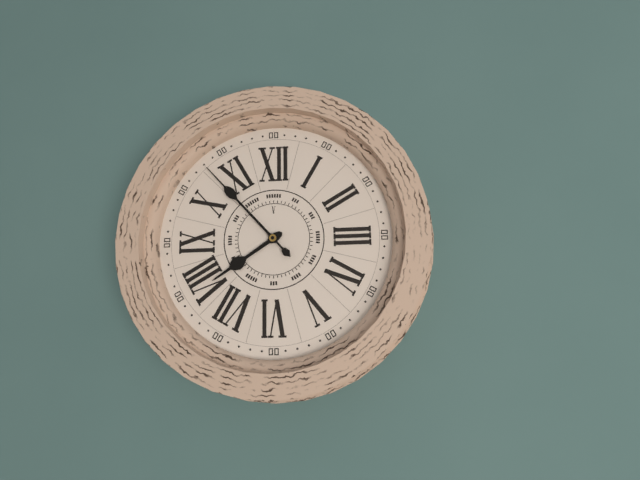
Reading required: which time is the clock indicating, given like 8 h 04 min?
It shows 7 h 53 min
